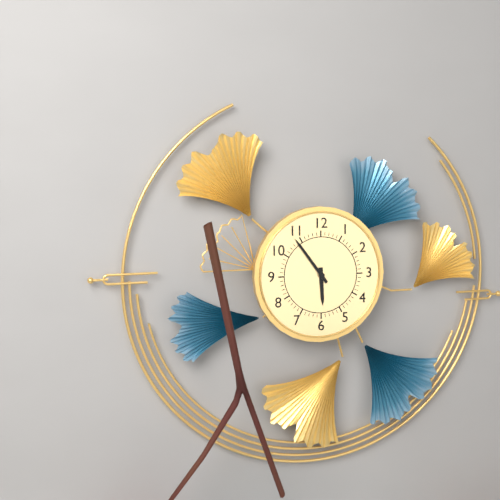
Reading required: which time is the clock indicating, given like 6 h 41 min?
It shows 5 h 54 min
